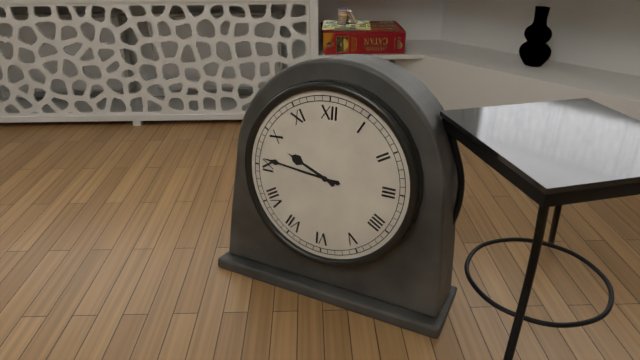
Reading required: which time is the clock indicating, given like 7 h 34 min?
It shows 9 h 46 min
